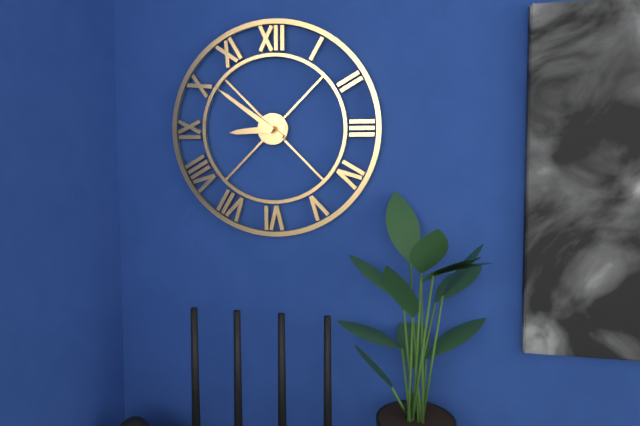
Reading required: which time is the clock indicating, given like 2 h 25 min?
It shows 8 h 51 min
